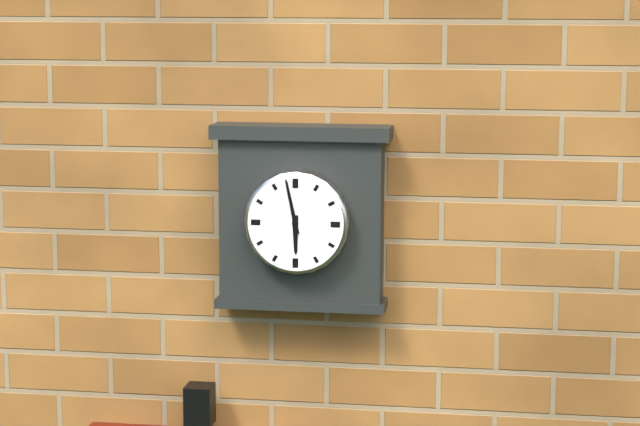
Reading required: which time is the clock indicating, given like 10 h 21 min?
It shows 5 h 58 min
